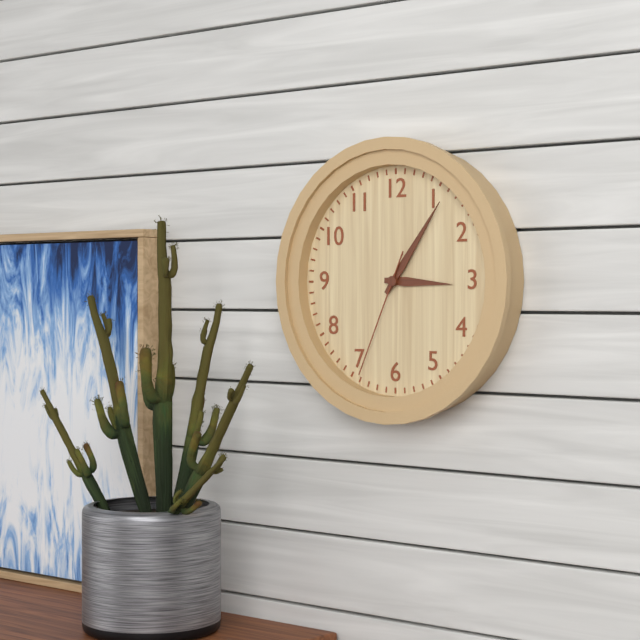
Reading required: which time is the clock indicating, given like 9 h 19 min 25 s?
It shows 3 h 06 min 34 s
